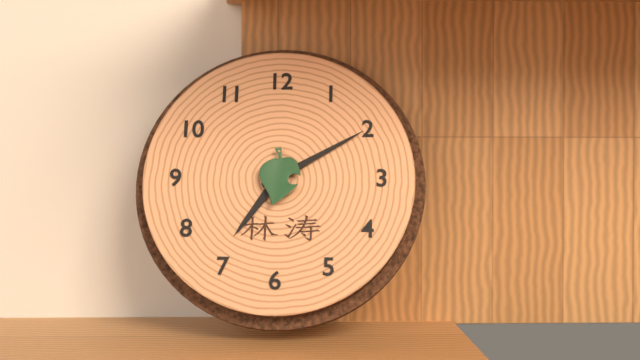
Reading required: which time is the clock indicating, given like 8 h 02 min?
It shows 7 h 10 min
